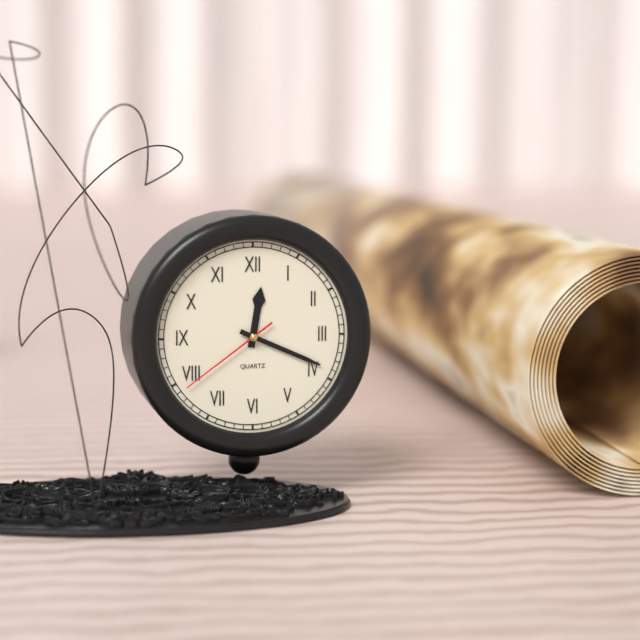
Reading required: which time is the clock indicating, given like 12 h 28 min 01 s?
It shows 12 h 19 min 39 s
